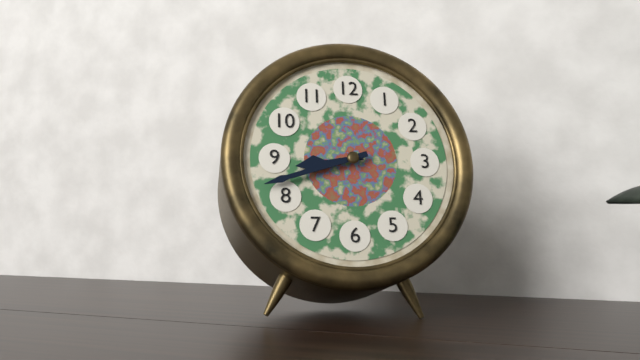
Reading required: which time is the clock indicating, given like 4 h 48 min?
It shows 8 h 42 min
